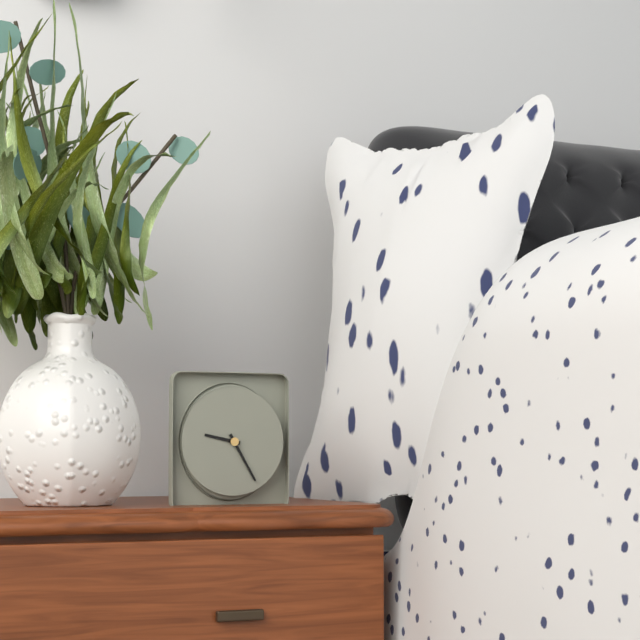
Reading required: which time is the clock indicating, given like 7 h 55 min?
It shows 9 h 25 min
